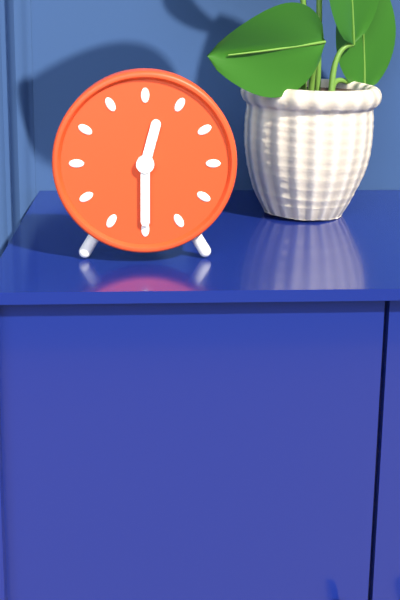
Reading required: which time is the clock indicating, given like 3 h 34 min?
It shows 12 h 30 min
